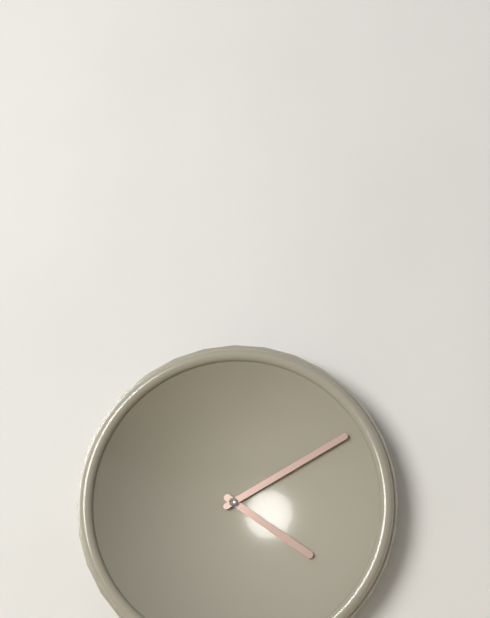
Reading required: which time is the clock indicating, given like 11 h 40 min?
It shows 4 h 10 min
